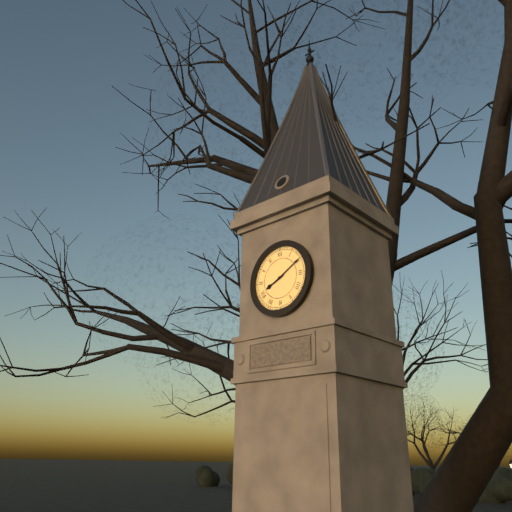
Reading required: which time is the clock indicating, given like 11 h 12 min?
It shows 8 h 10 min
